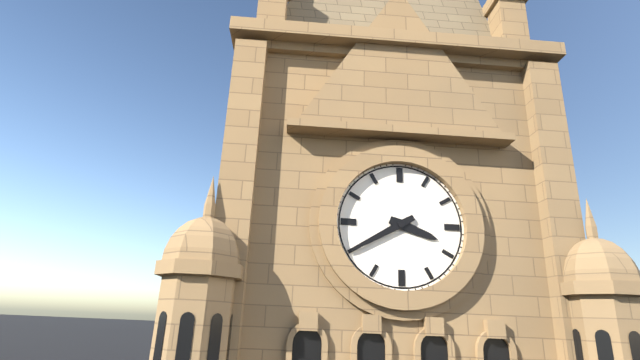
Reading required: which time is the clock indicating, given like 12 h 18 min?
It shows 3 h 40 min
